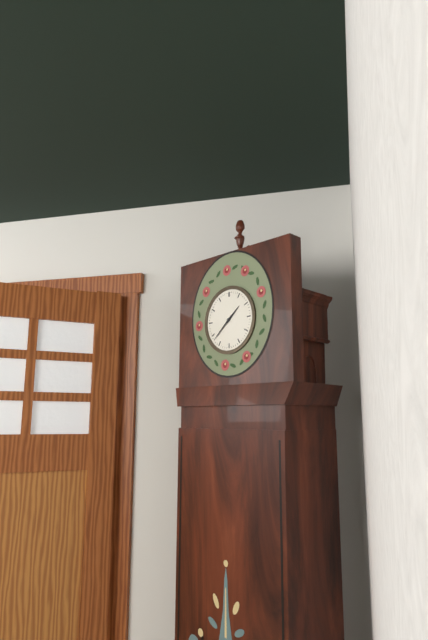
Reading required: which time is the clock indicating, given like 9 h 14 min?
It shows 1 h 38 min
